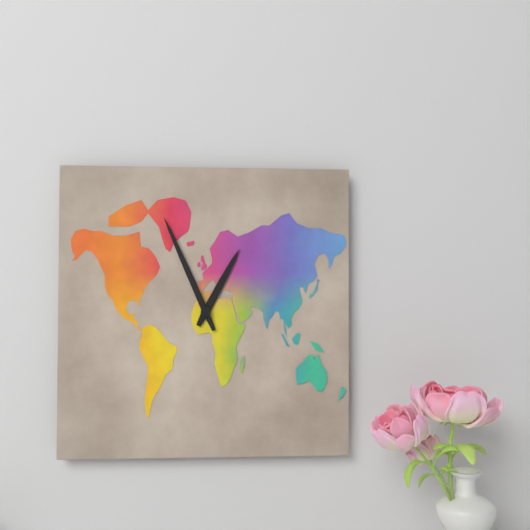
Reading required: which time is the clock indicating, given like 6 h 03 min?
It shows 12 h 56 min
